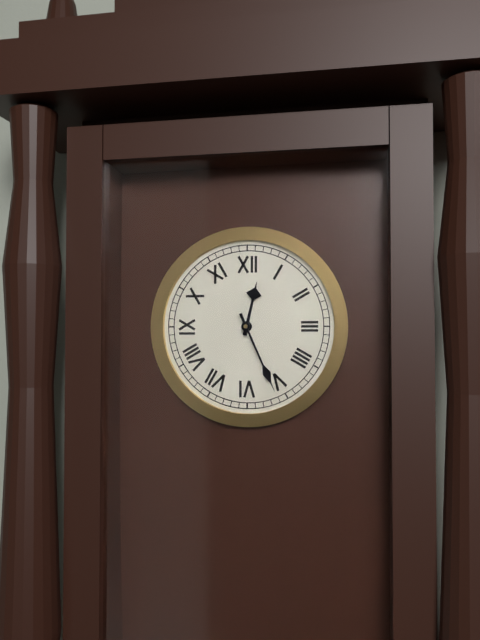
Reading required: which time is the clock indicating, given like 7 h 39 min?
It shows 12 h 26 min
